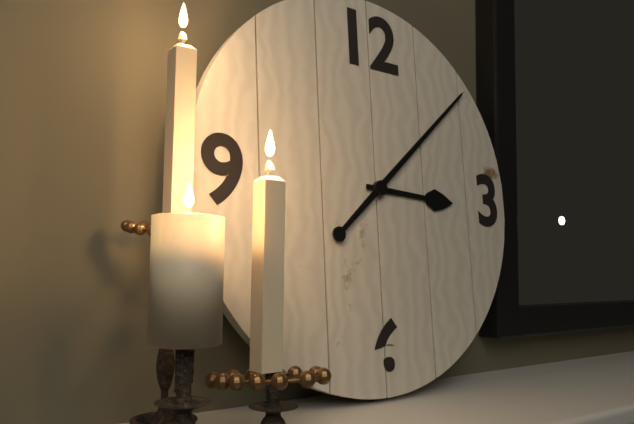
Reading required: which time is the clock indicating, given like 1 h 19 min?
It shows 3 h 08 min
